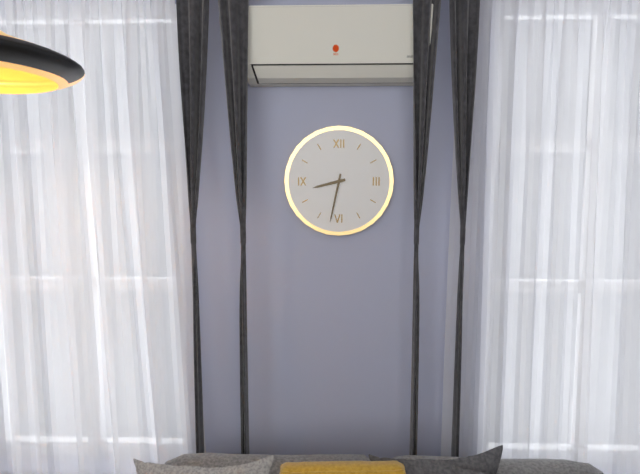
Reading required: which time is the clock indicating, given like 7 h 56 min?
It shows 8 h 32 min
